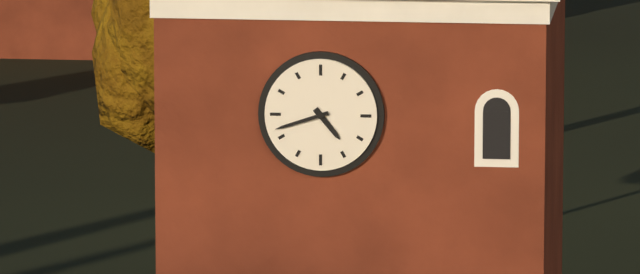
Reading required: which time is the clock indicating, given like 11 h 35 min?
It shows 4 h 42 min
